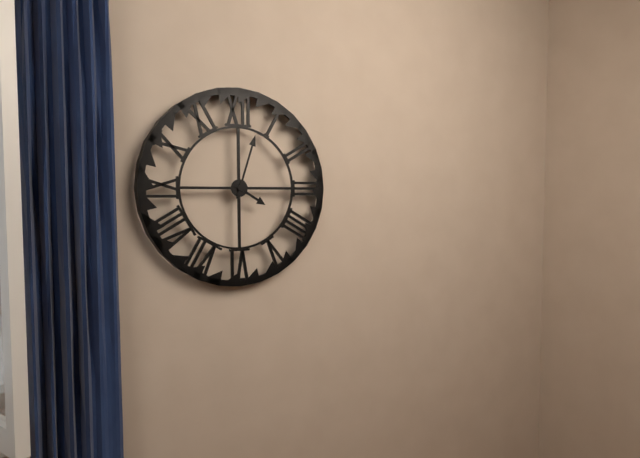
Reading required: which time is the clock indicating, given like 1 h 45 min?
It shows 4 h 03 min
